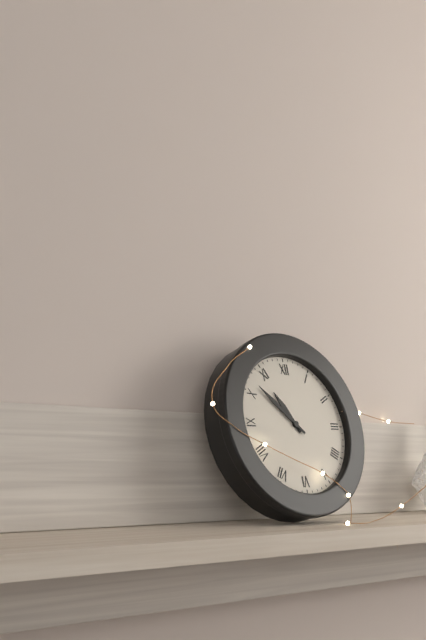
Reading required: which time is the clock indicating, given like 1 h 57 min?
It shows 10 h 52 min
